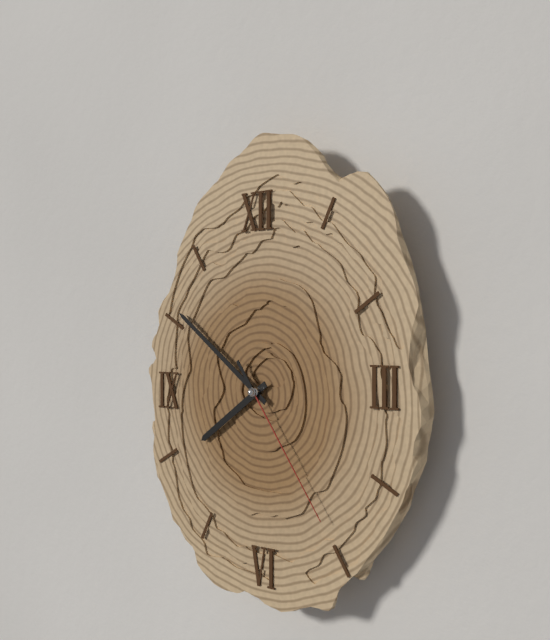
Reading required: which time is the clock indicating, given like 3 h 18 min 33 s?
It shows 7 h 51 min 24 s
